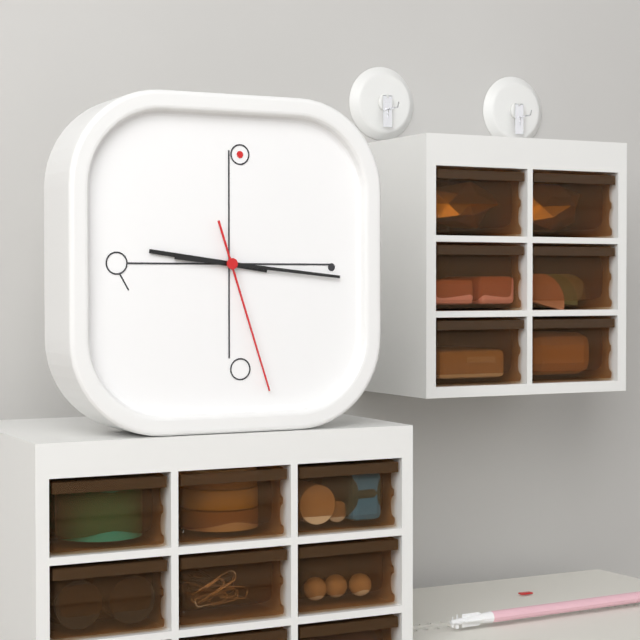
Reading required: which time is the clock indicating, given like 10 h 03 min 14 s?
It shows 9 h 16 min 27 s
